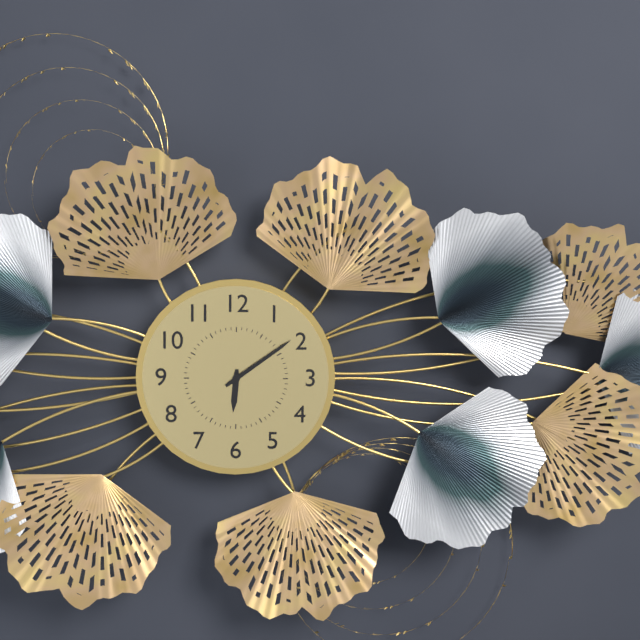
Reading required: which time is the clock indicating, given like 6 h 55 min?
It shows 6 h 09 min
